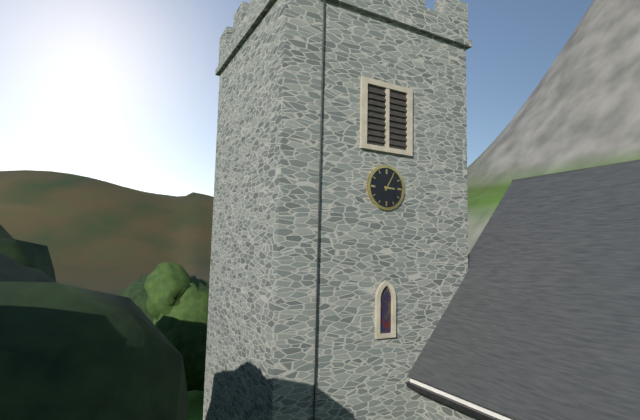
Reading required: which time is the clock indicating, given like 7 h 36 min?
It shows 3 h 05 min
